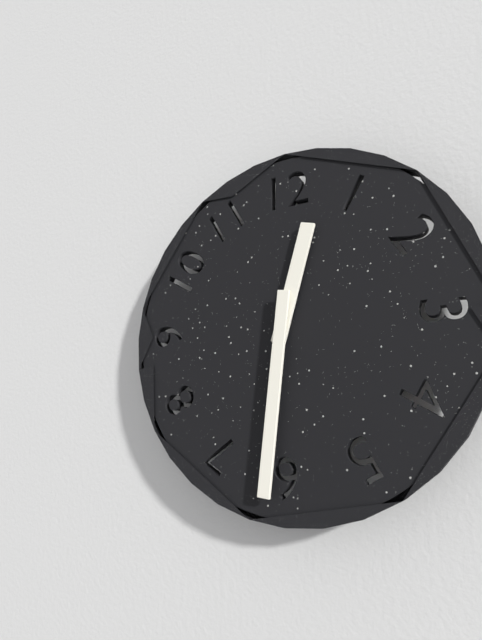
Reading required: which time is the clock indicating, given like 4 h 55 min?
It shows 12 h 31 min
